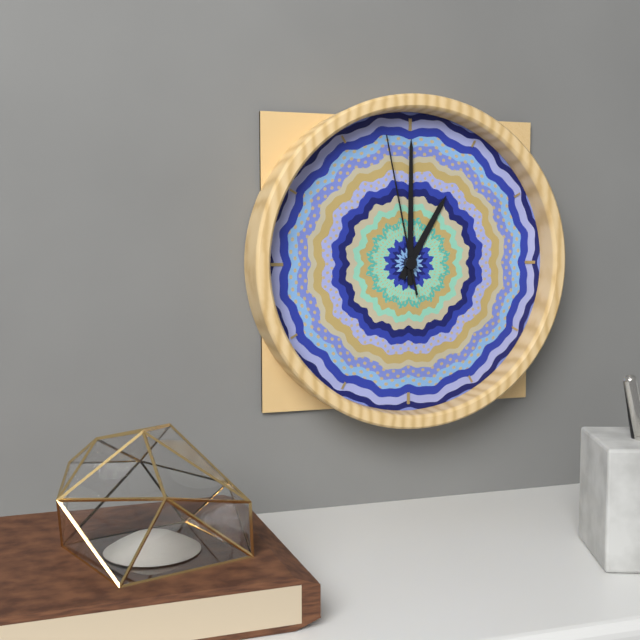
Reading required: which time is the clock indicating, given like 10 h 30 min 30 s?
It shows 1 h 00 min 58 s
